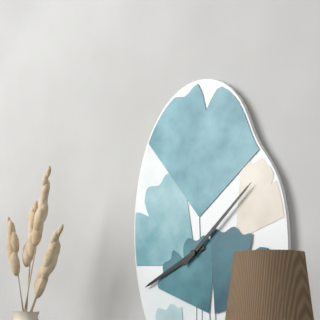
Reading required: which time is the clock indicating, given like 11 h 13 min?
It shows 8 h 08 min
